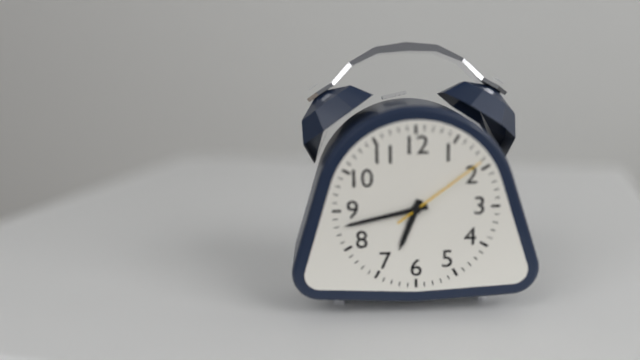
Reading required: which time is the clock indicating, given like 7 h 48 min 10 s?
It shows 6 h 43 min 09 s
